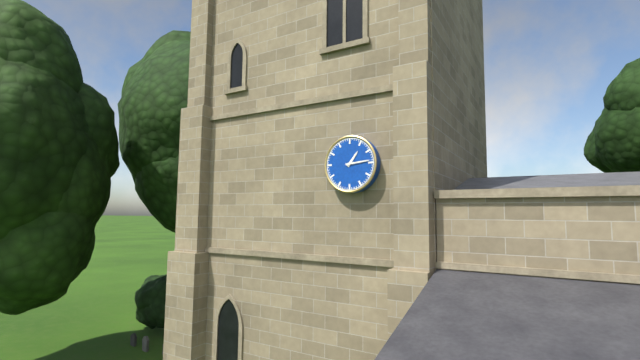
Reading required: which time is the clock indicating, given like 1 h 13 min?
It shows 1 h 14 min
